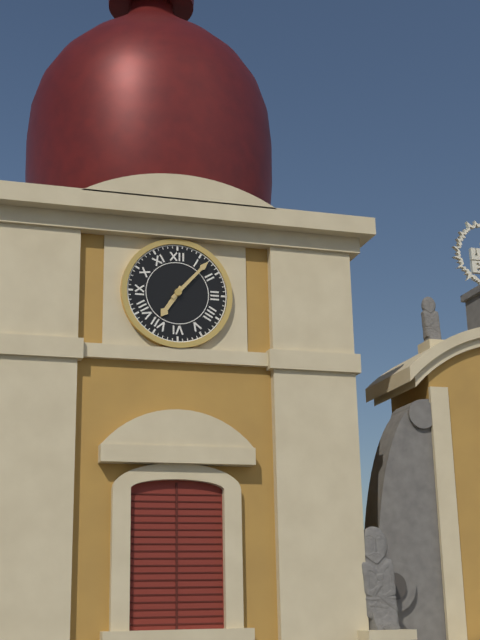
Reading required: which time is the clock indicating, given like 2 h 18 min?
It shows 7 h 07 min
